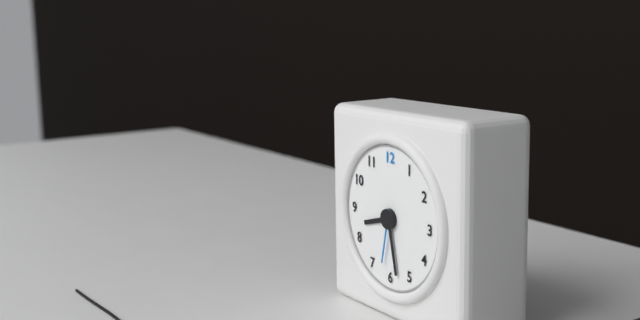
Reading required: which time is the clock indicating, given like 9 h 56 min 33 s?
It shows 8 h 28 min 32 s
